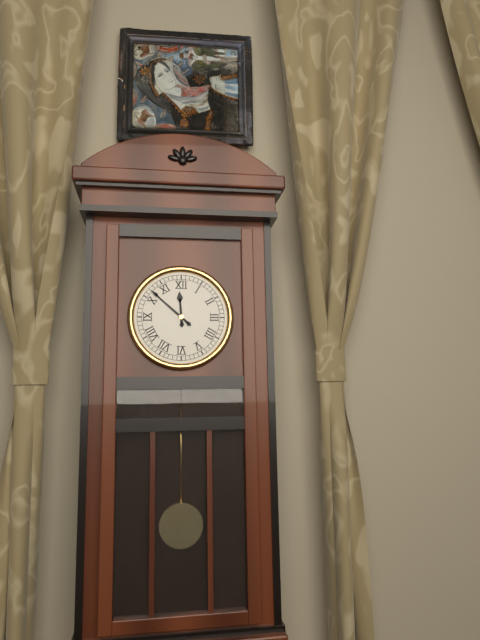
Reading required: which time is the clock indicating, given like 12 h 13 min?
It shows 11 h 52 min
